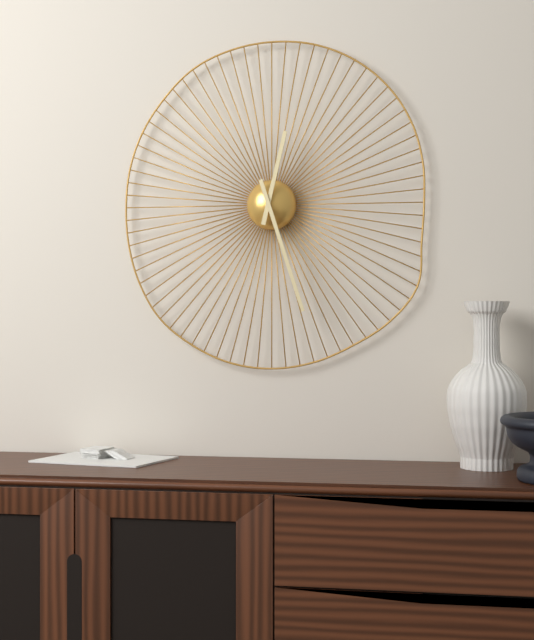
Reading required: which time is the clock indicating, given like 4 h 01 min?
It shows 12 h 27 min
